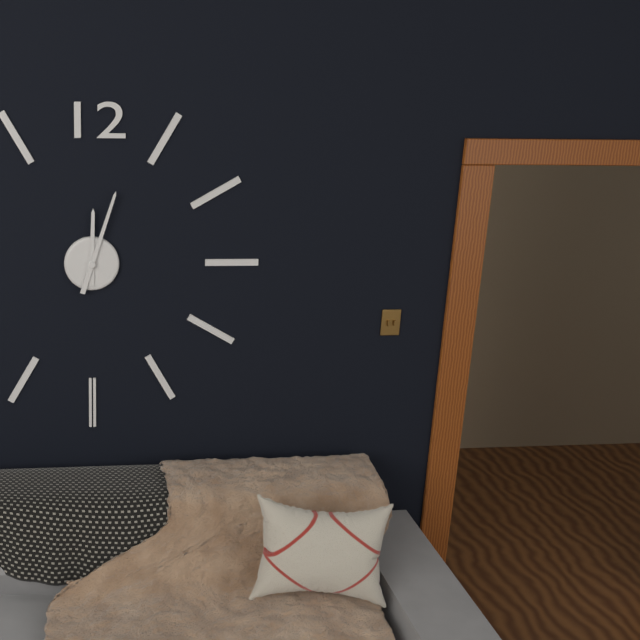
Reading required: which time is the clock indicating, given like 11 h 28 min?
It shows 12 h 03 min
